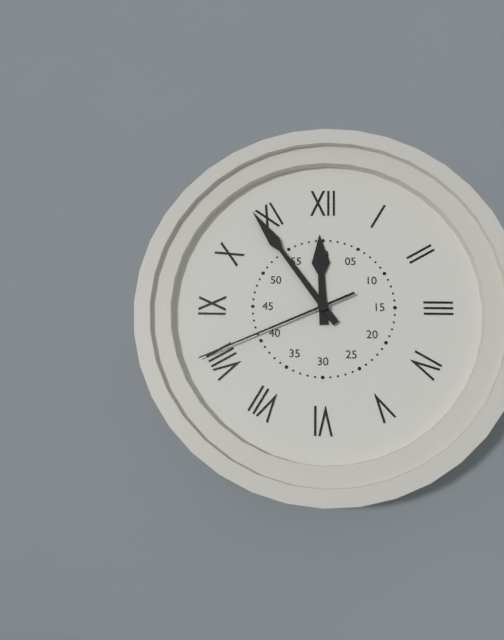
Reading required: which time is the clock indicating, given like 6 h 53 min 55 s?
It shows 11 h 54 min 41 s
